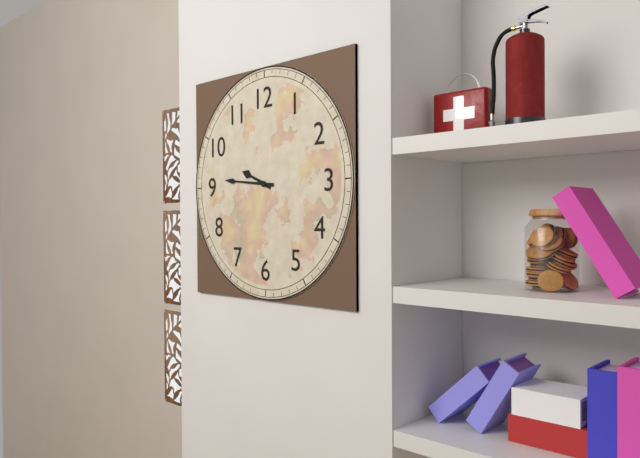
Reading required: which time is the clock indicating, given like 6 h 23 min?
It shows 9 h 46 min
